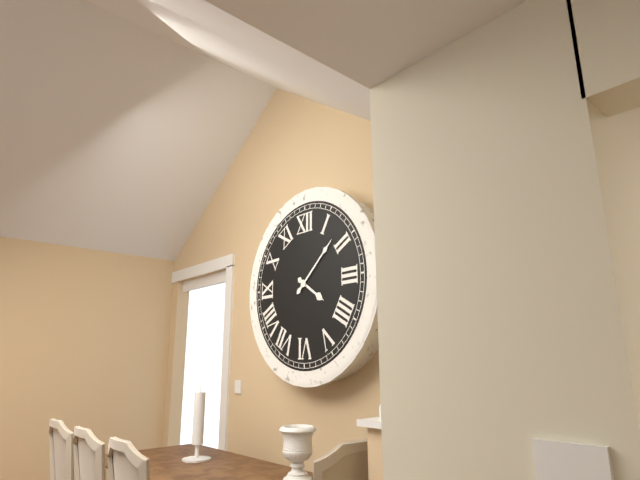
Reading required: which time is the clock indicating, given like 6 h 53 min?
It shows 4 h 08 min
